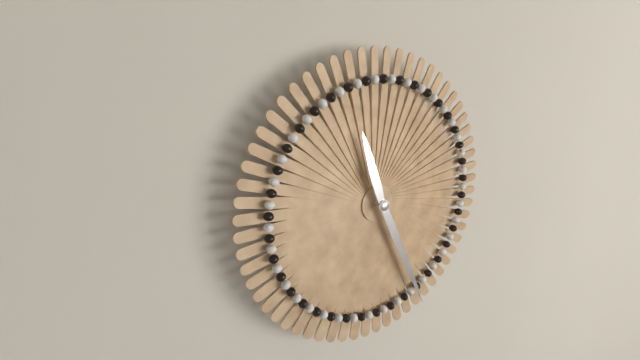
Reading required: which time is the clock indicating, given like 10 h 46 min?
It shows 11 h 26 min
